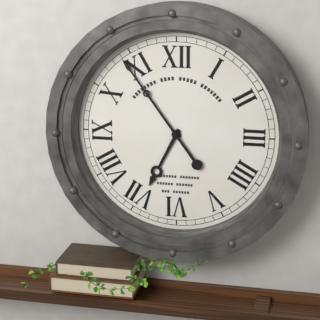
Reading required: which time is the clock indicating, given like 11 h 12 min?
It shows 6 h 54 min
